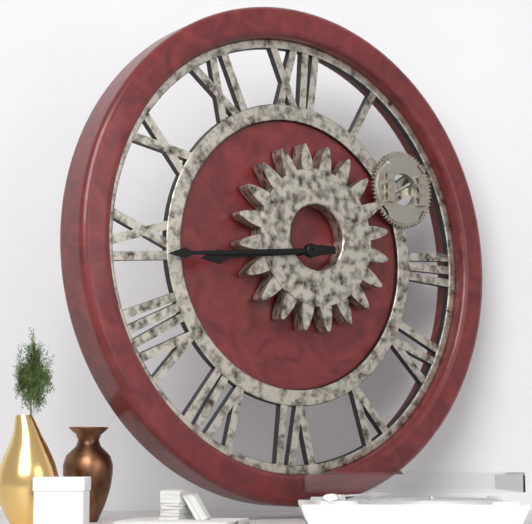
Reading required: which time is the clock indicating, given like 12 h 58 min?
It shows 8 h 44 min
